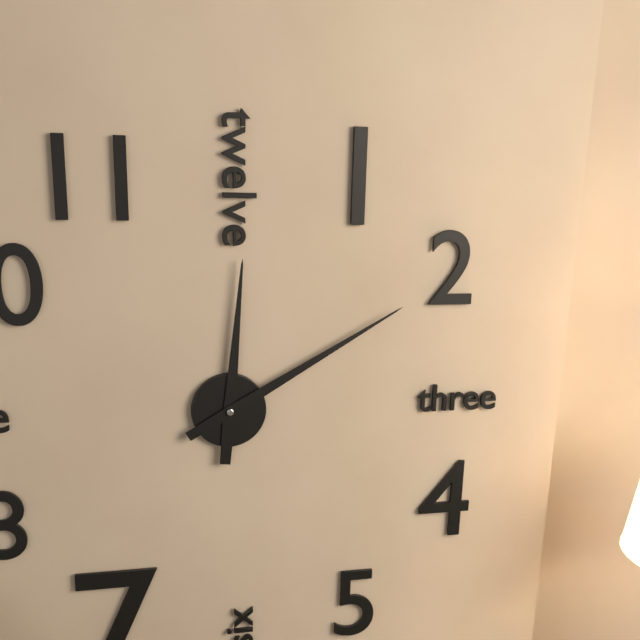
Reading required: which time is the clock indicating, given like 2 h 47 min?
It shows 12 h 10 min
